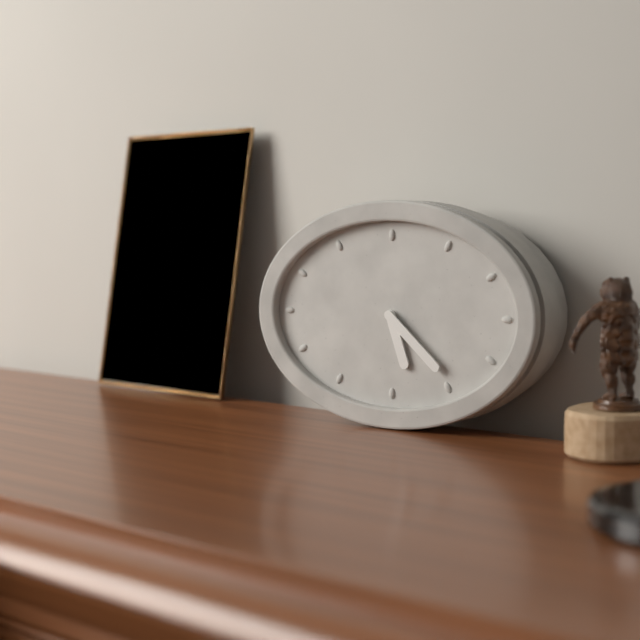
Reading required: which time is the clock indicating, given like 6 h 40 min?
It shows 5 h 22 min
